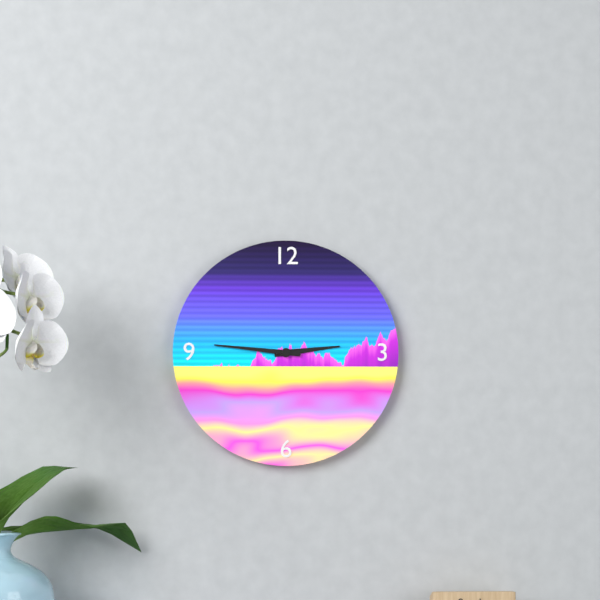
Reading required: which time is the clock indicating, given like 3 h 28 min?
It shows 2 h 46 min
